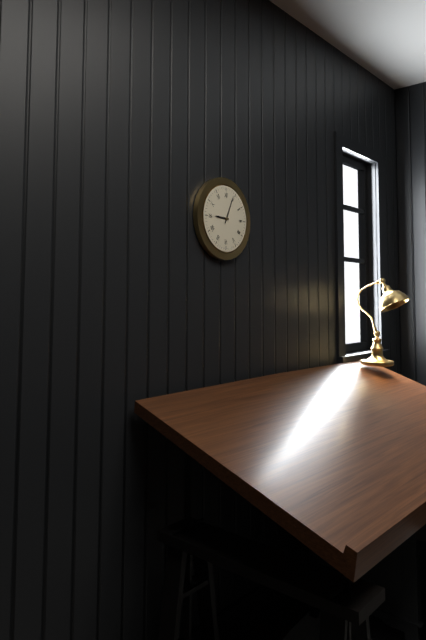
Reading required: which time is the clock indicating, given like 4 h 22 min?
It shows 9 h 04 min
